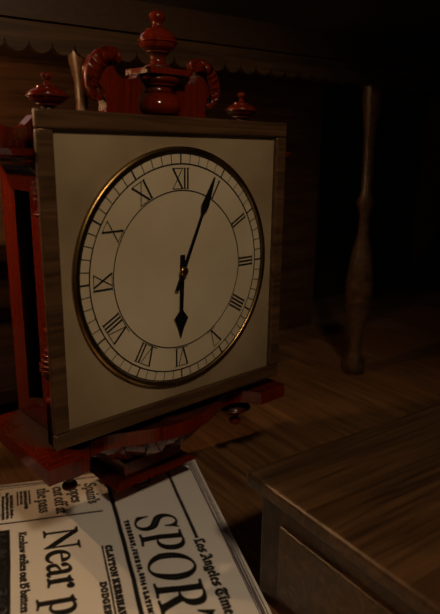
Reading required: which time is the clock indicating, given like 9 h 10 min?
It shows 6 h 04 min
